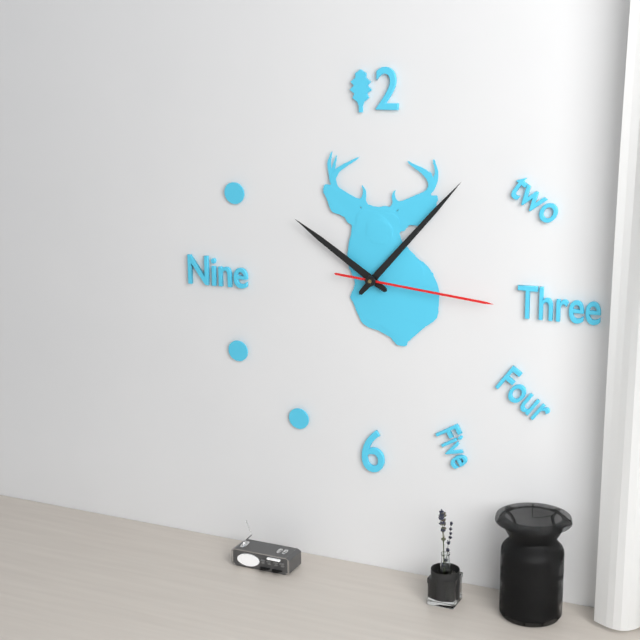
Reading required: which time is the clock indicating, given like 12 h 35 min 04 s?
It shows 10 h 07 min 16 s
